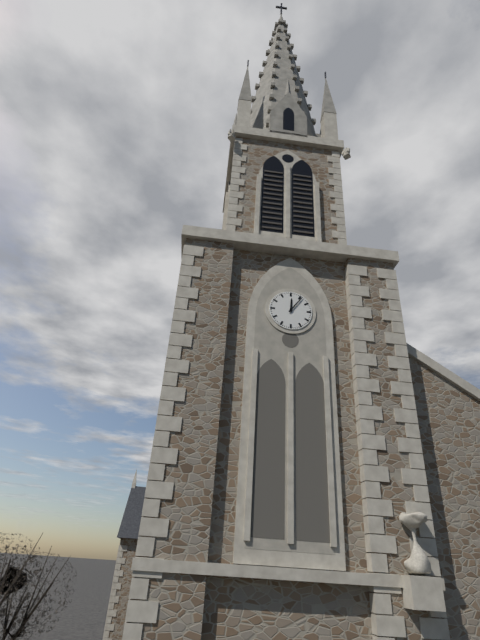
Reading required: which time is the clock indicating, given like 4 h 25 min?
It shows 12 h 06 min
